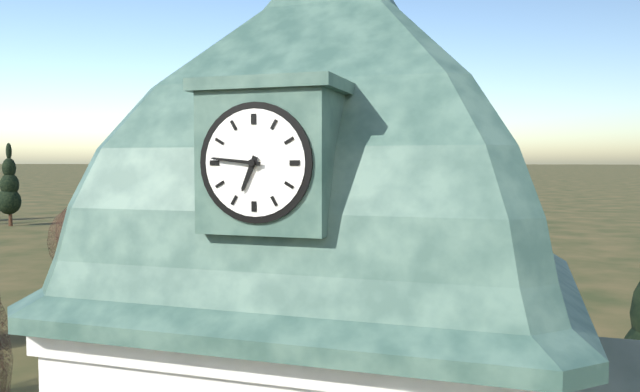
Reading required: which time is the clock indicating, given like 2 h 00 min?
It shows 6 h 46 min
